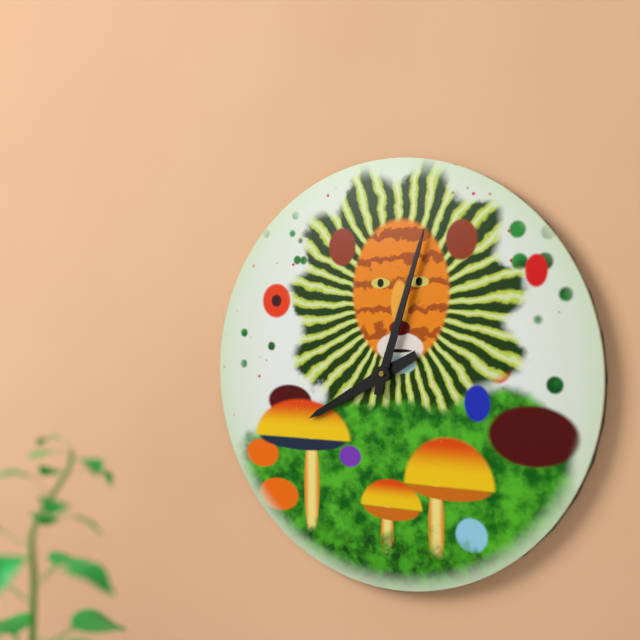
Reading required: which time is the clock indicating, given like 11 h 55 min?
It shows 8 h 03 min
